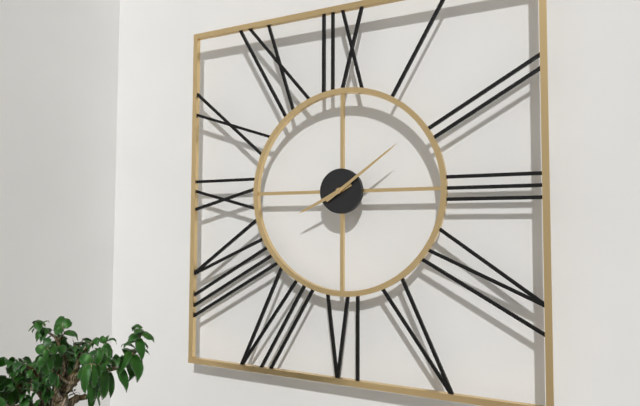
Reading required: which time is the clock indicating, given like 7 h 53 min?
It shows 8 h 09 min
